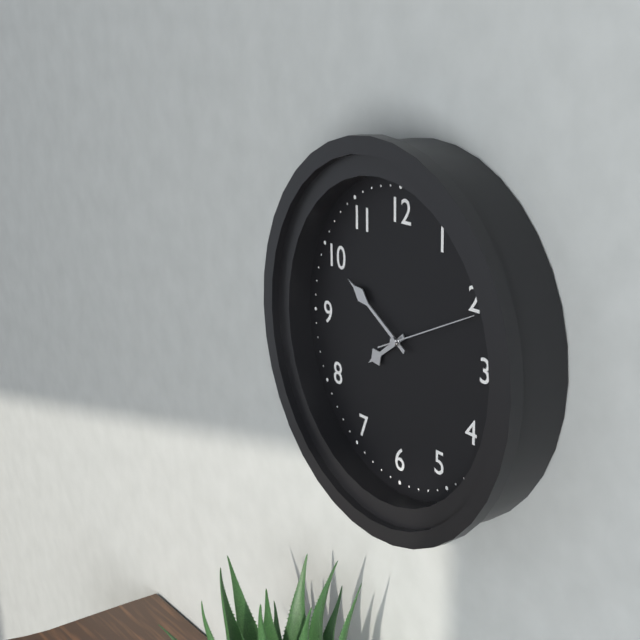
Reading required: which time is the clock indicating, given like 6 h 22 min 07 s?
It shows 7 h 50 min 11 s
